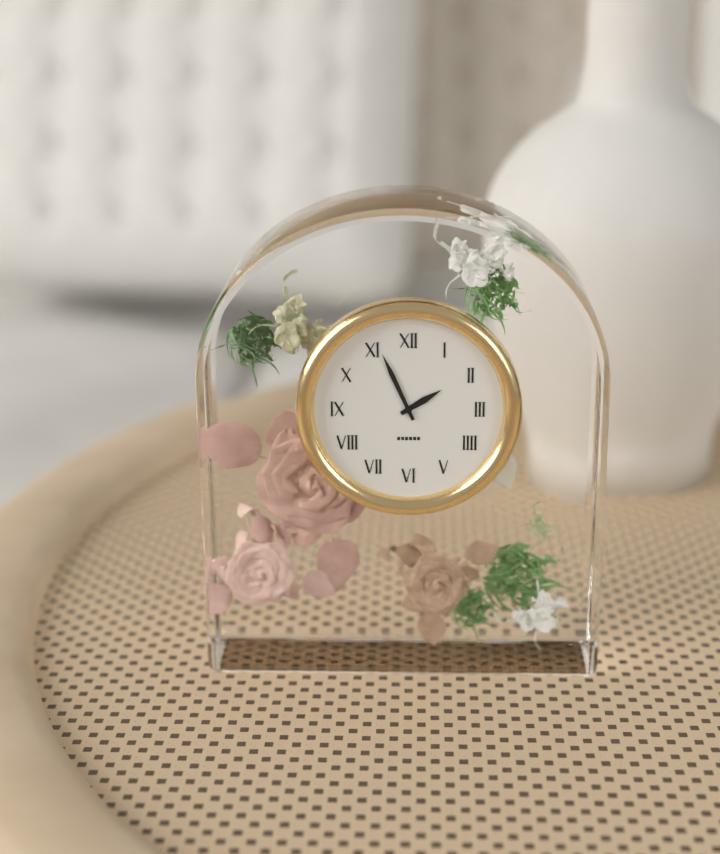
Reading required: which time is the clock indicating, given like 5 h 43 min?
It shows 1 h 56 min
